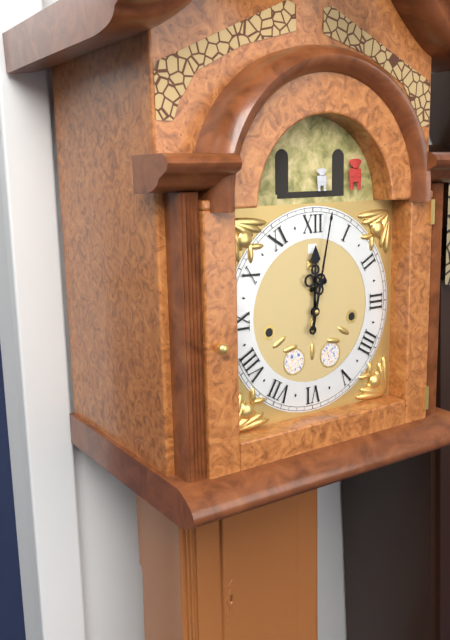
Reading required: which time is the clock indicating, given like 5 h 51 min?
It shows 12 h 02 min
